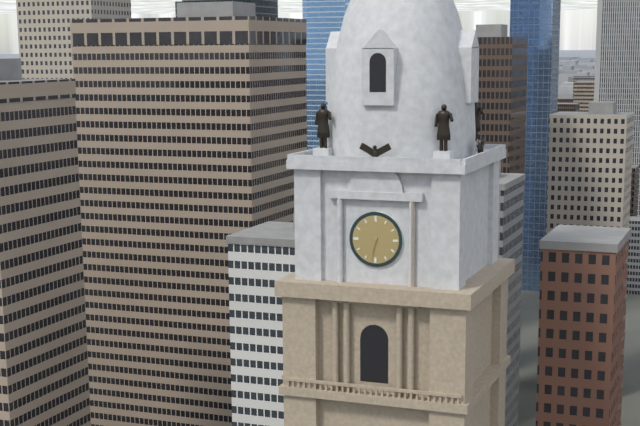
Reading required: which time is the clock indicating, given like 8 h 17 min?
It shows 6 h 32 min
